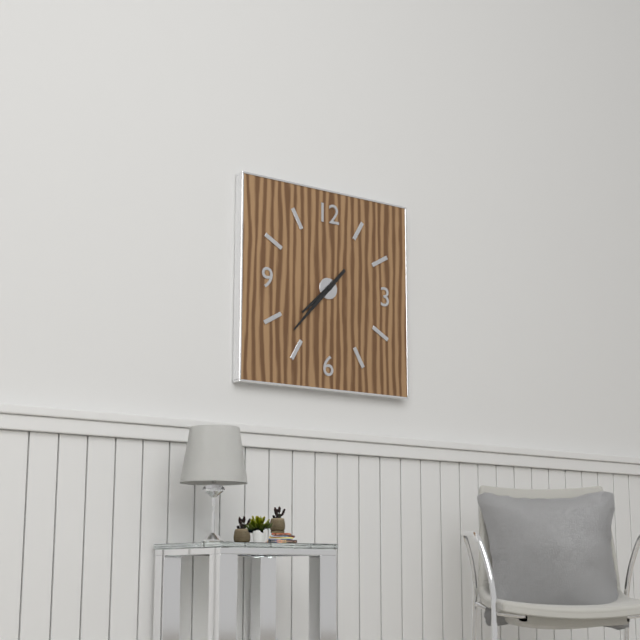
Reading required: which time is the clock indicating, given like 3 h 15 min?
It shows 7 h 37 min
